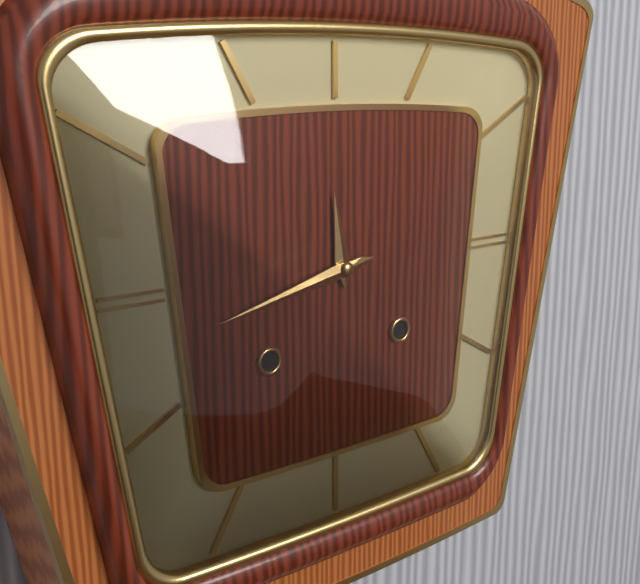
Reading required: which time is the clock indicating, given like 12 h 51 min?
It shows 11 h 43 min
